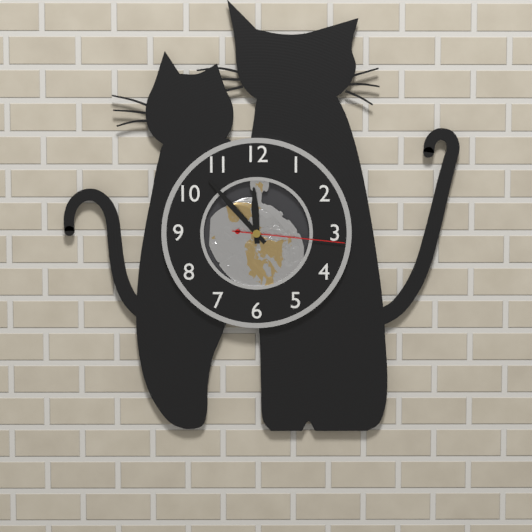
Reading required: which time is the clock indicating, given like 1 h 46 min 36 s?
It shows 11 h 53 min 16 s
